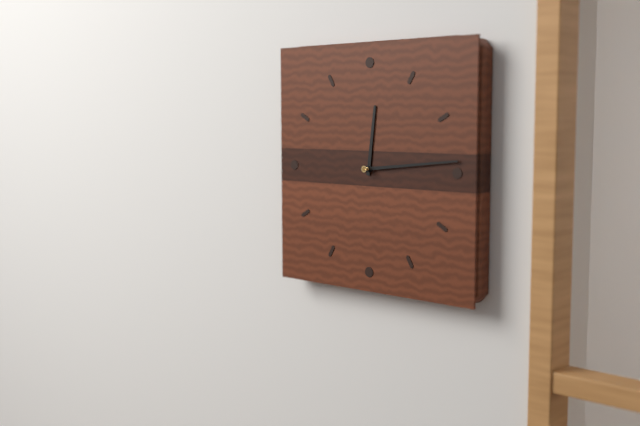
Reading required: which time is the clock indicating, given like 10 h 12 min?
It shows 12 h 14 min
